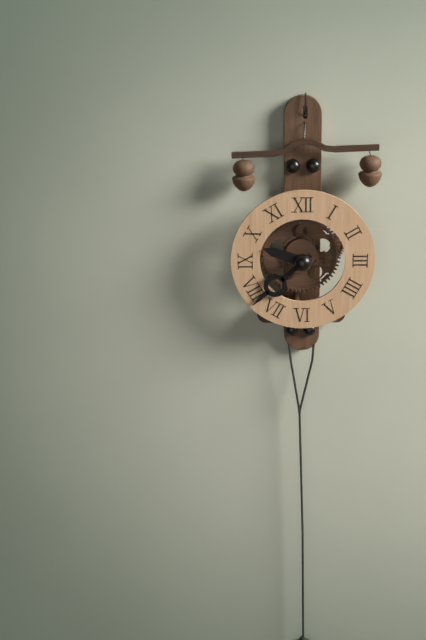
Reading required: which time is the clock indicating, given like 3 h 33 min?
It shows 9 h 38 min
